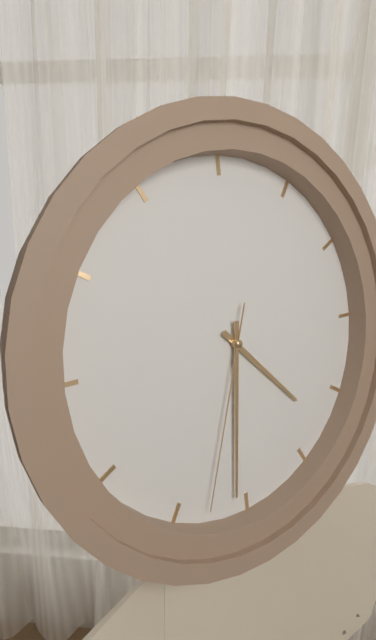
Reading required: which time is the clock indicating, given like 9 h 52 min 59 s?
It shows 4 h 31 min 33 s
